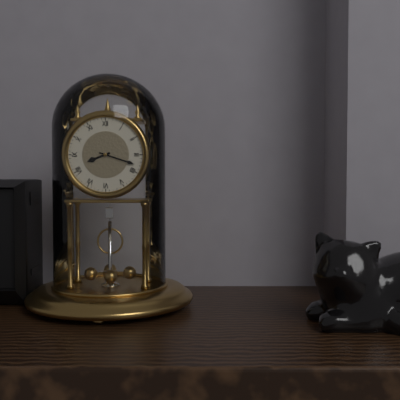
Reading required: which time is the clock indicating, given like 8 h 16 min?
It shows 8 h 18 min
